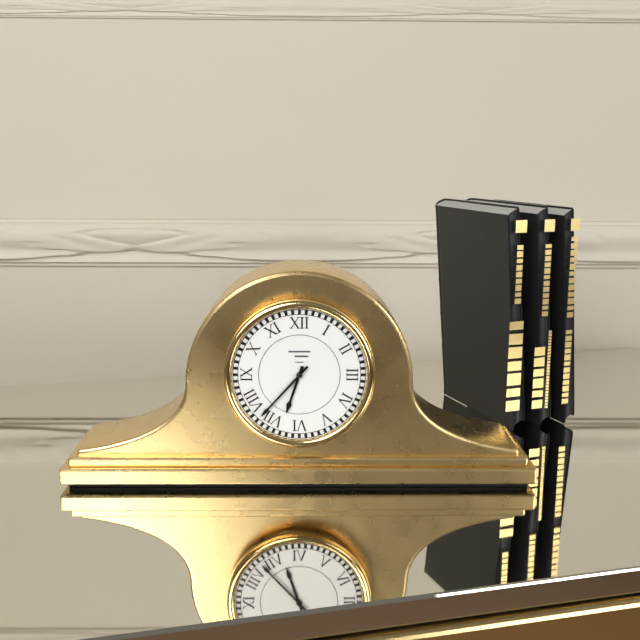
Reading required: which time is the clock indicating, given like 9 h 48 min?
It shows 6 h 37 min
